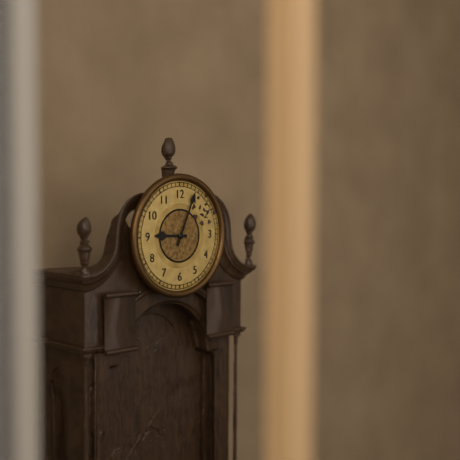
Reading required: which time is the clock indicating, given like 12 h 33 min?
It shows 9 h 04 min
